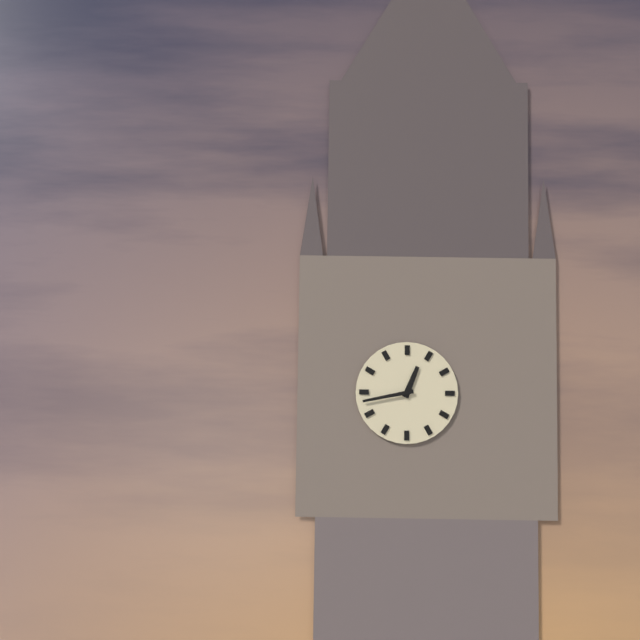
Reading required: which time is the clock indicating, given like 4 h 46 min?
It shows 12 h 43 min
